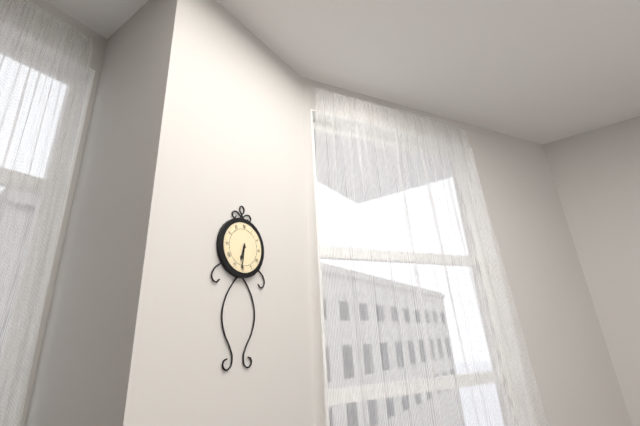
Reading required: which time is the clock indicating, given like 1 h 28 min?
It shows 6 h 31 min
